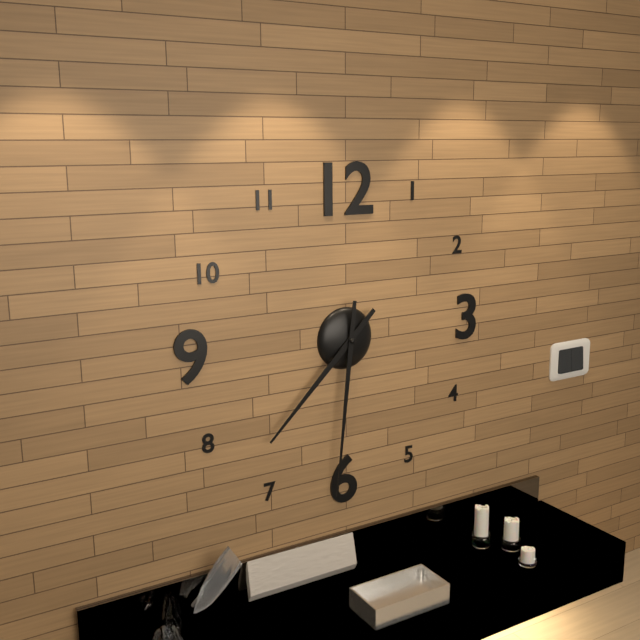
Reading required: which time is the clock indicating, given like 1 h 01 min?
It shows 7 h 31 min
